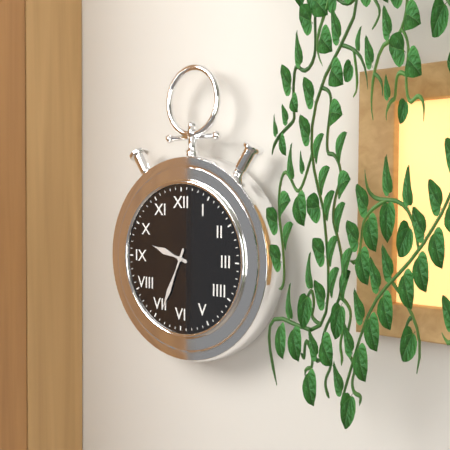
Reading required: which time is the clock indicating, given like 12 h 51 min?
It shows 9 h 34 min
